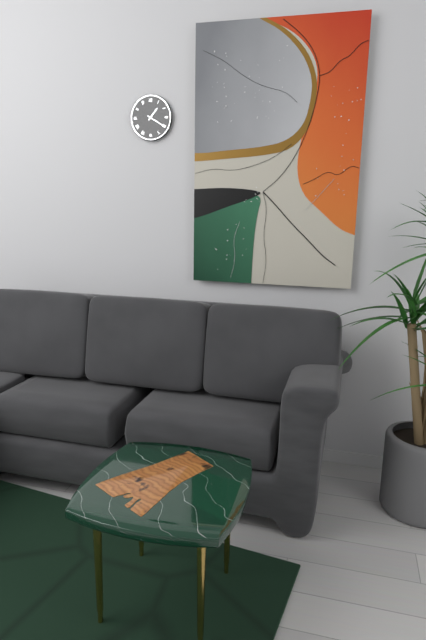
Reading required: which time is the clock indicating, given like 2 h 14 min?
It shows 1 h 20 min
